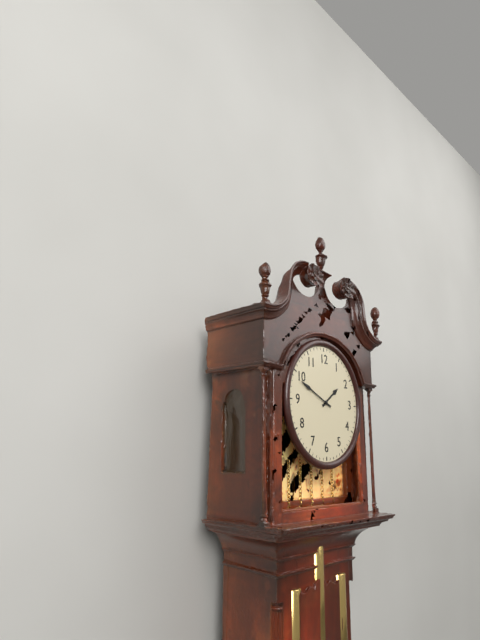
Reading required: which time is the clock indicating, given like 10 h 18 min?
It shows 1 h 49 min
